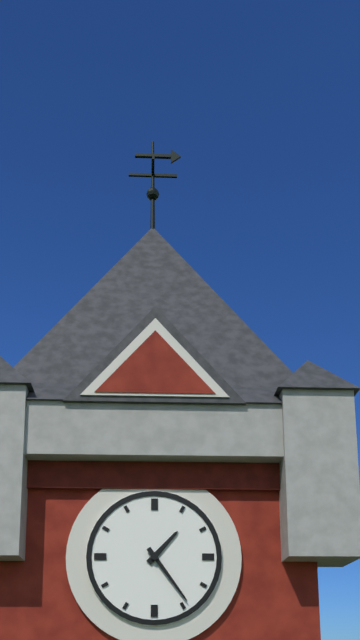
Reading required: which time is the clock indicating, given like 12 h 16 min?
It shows 1 h 24 min
